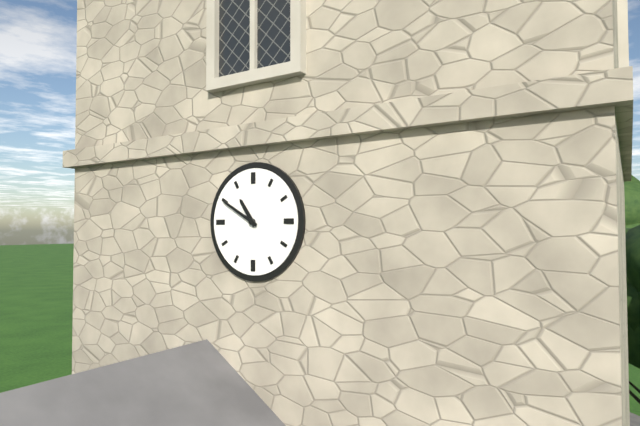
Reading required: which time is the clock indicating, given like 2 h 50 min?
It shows 10 h 50 min
